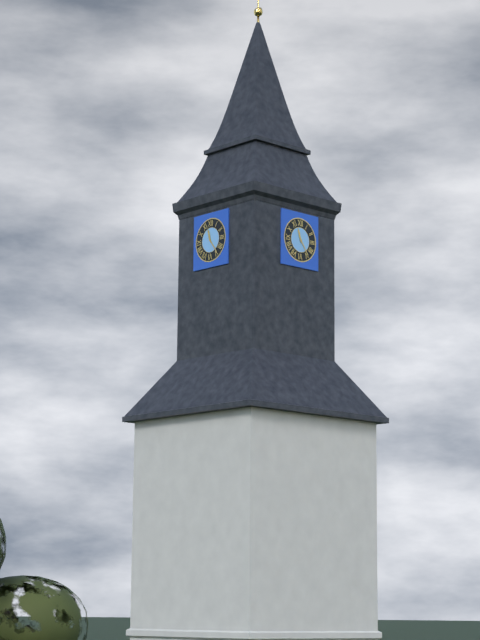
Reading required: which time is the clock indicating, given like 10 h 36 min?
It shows 11 h 24 min
